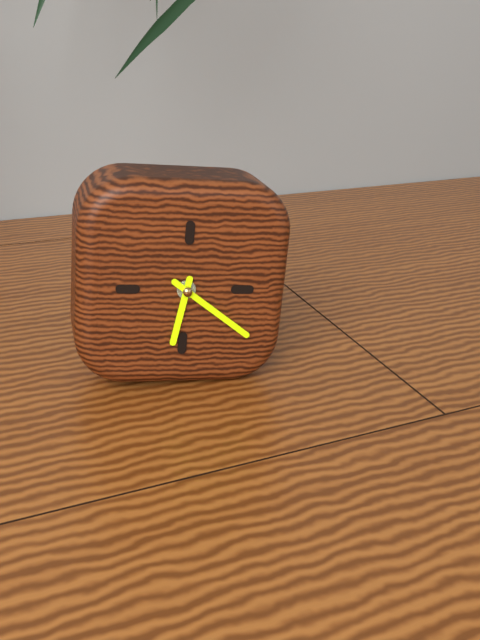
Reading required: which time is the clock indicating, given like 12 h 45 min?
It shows 6 h 21 min
